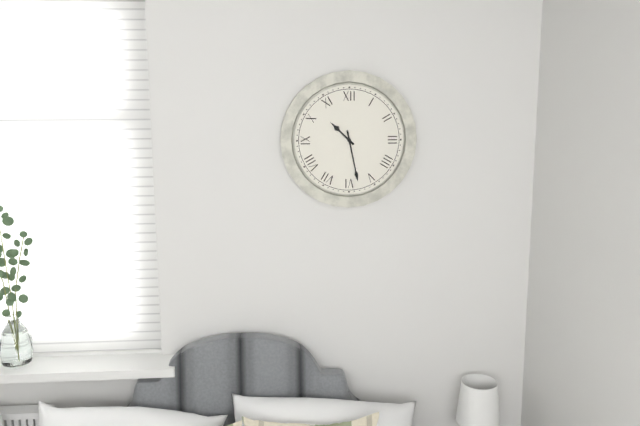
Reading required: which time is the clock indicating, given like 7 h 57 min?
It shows 10 h 28 min
